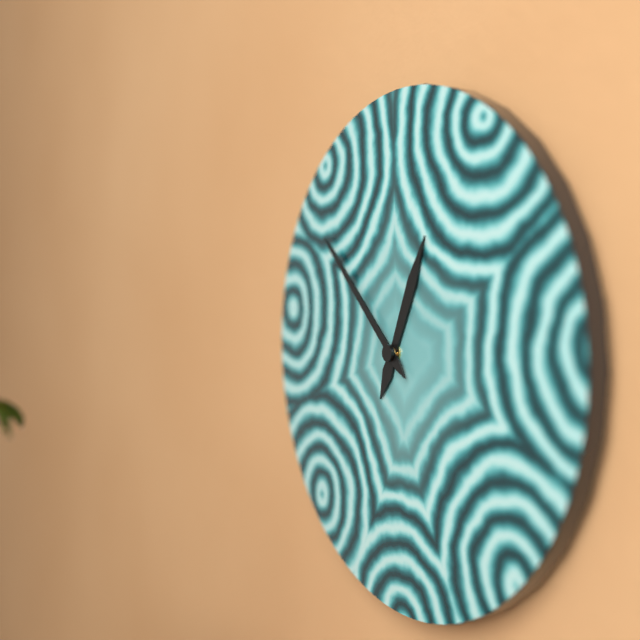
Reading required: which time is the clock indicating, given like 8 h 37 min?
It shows 12 h 52 min
